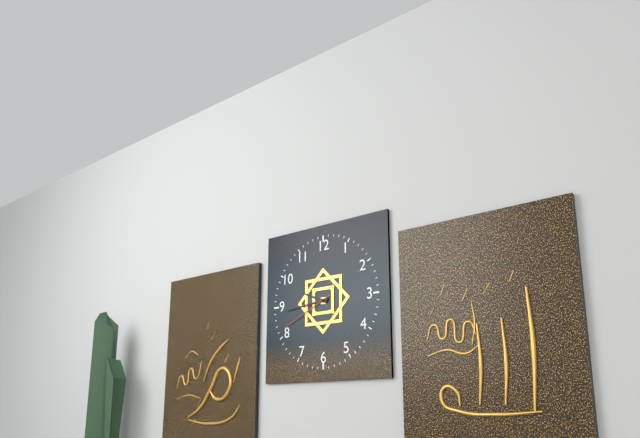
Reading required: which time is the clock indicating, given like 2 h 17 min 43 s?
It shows 9 h 44 min 41 s
